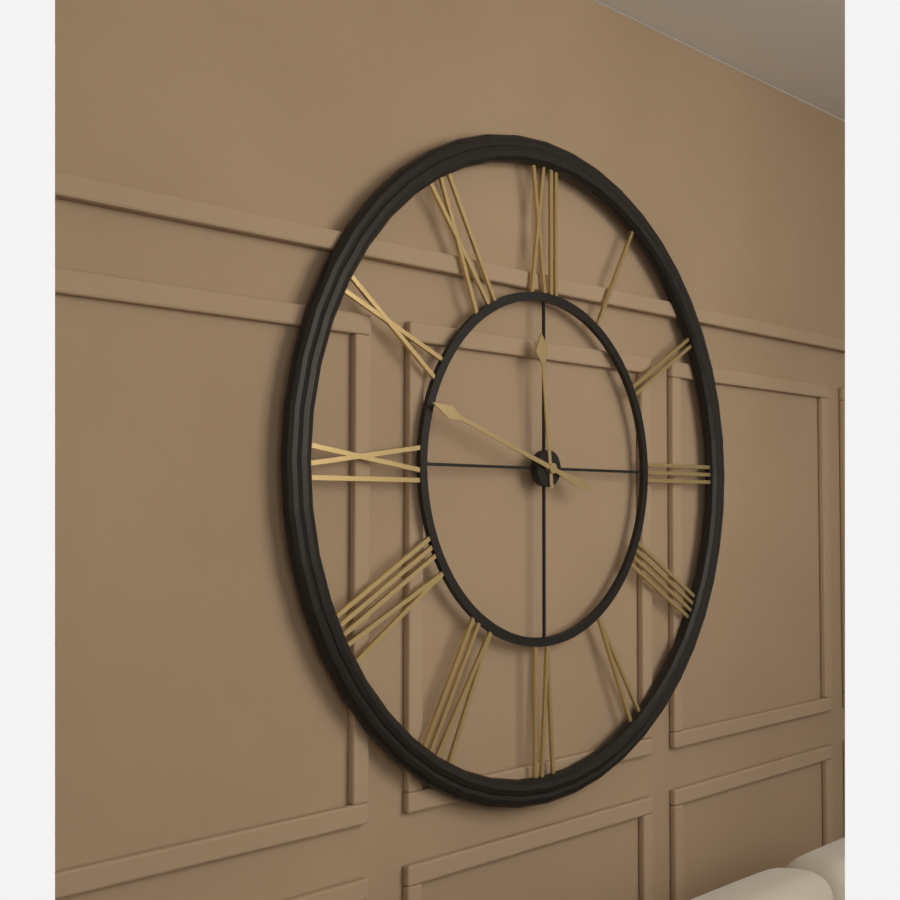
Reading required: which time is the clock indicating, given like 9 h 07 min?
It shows 11 h 48 min
